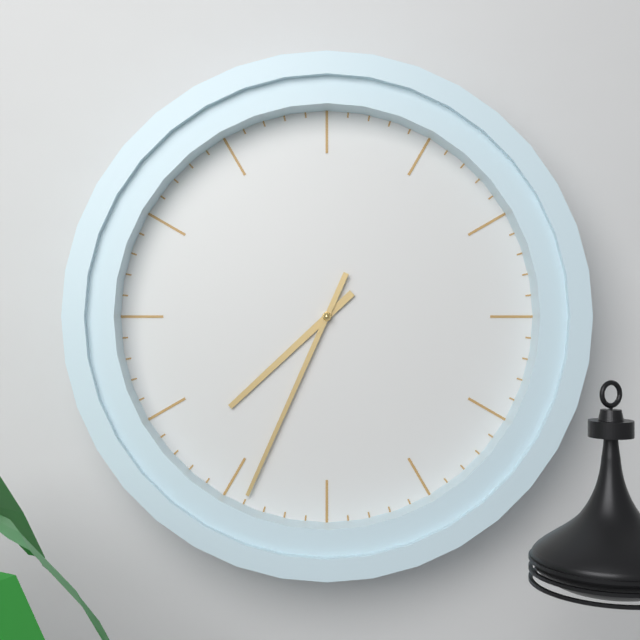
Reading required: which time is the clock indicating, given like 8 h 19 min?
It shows 7 h 34 min
